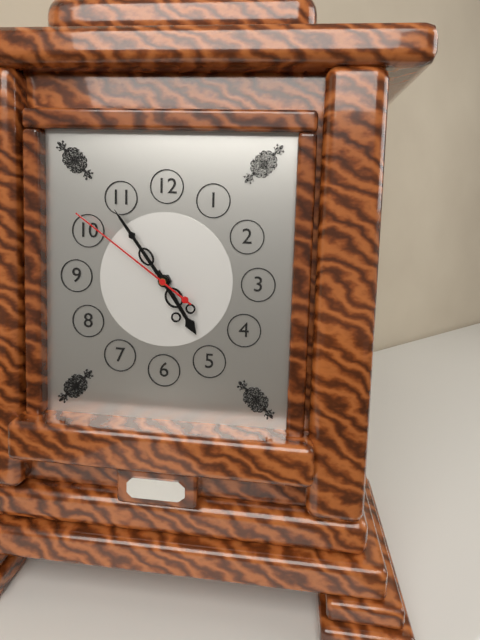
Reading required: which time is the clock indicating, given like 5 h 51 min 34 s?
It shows 4 h 54 min 51 s
